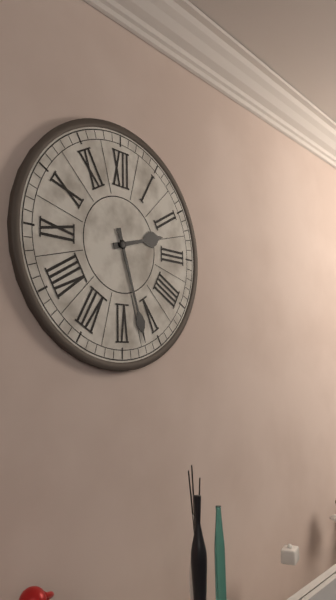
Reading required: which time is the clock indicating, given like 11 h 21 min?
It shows 2 h 27 min
